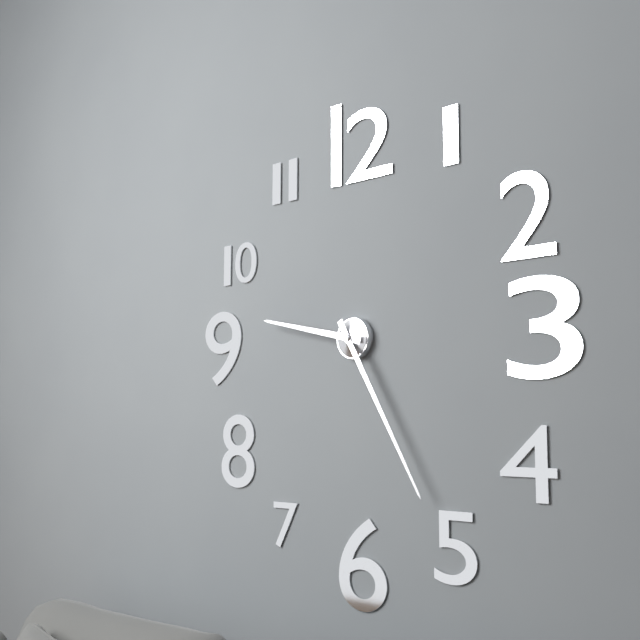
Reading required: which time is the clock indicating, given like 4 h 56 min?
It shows 9 h 25 min
